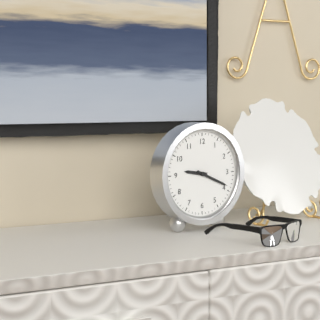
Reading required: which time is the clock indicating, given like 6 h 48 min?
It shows 9 h 19 min
